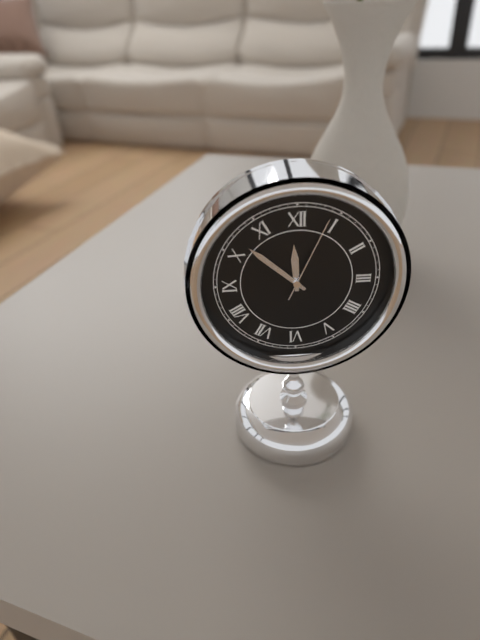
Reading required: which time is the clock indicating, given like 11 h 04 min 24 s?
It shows 11 h 52 min 04 s
